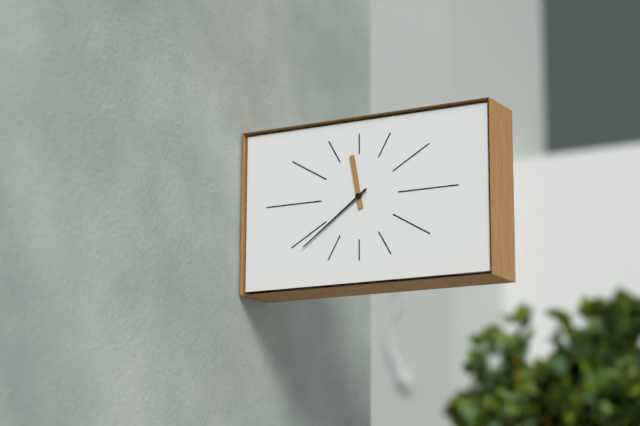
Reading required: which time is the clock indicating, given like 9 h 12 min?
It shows 11 h 39 min
